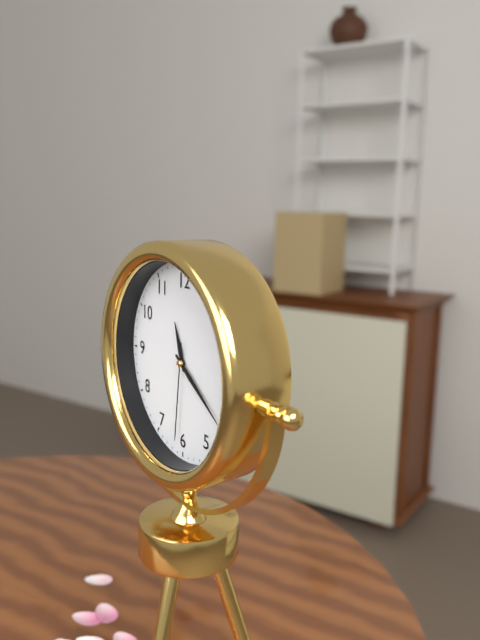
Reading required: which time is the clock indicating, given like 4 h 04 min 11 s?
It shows 11 h 21 min 31 s
